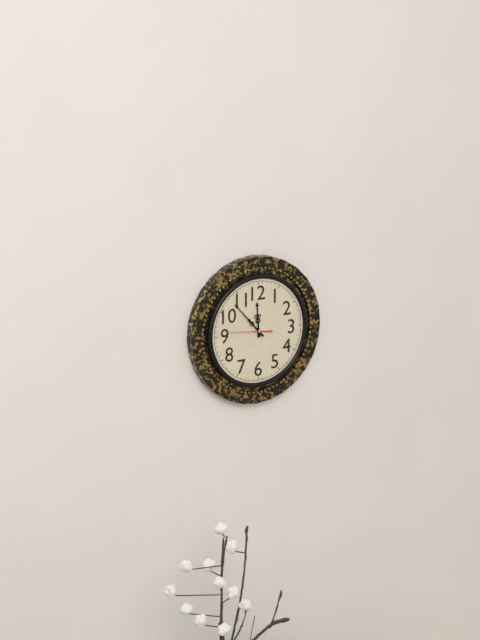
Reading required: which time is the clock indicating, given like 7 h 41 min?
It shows 11 h 53 min
